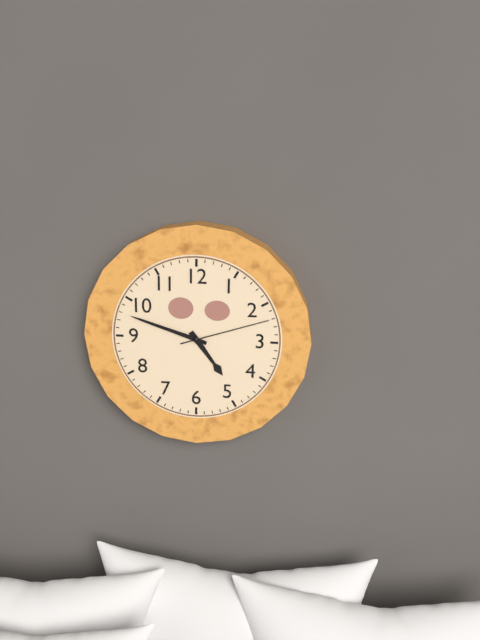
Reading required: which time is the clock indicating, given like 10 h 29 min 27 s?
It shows 4 h 48 min 12 s
